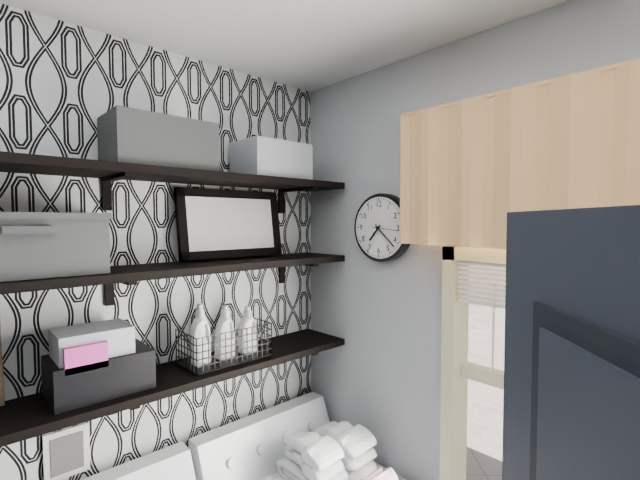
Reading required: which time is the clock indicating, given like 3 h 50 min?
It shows 7 h 22 min
